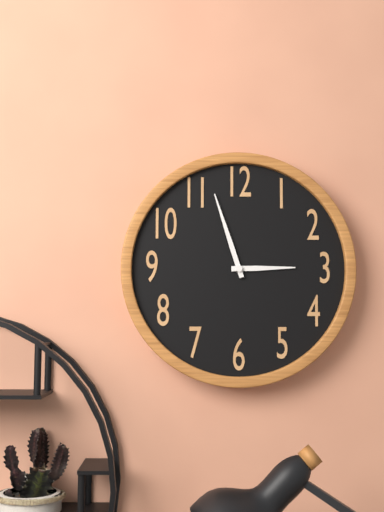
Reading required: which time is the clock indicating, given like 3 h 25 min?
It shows 2 h 57 min
